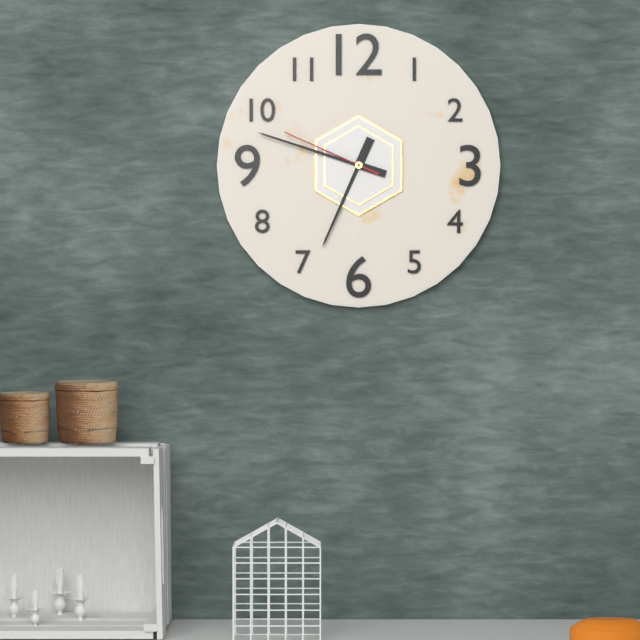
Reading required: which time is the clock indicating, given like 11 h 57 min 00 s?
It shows 6 h 48 min 49 s
